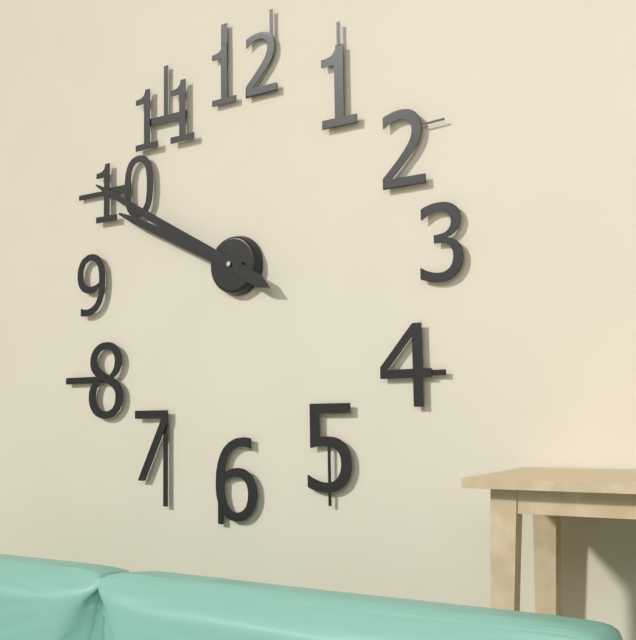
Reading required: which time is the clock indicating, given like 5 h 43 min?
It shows 9 h 50 min
